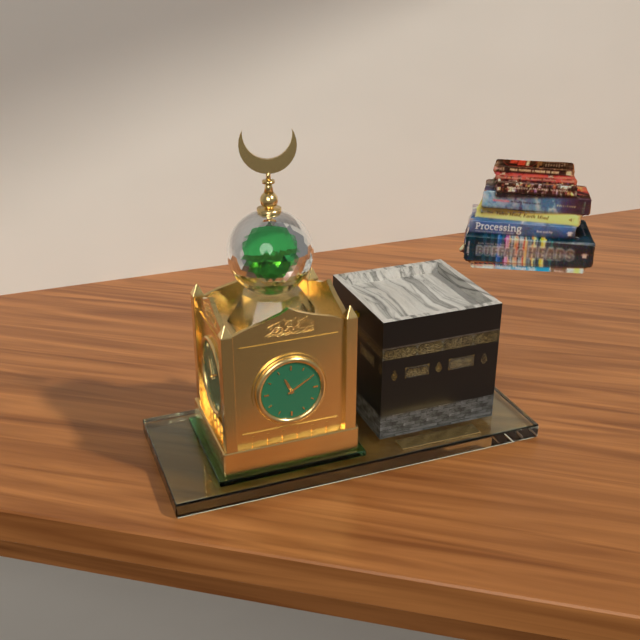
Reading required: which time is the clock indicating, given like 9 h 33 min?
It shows 11 h 10 min
